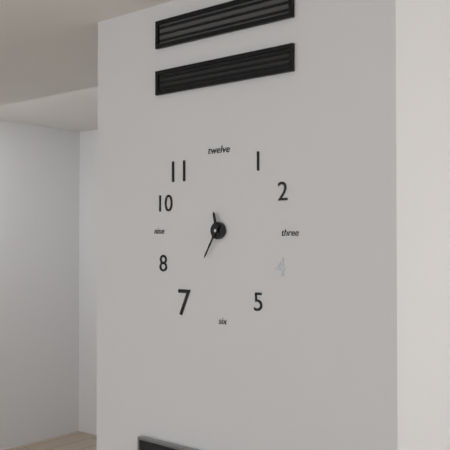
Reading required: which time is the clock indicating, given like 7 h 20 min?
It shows 11 h 35 min
